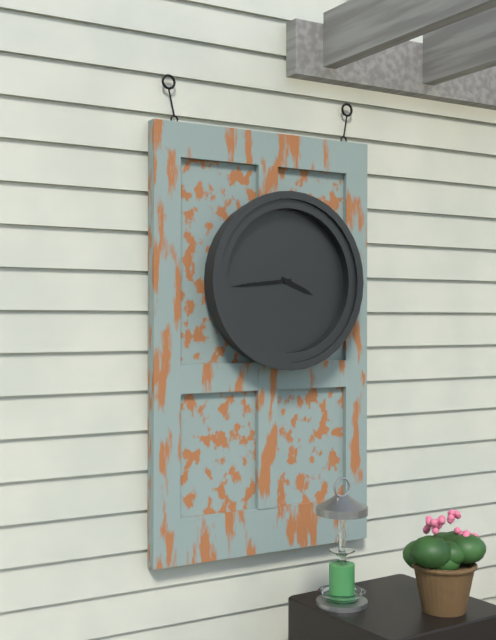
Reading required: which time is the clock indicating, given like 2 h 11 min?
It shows 3 h 44 min
